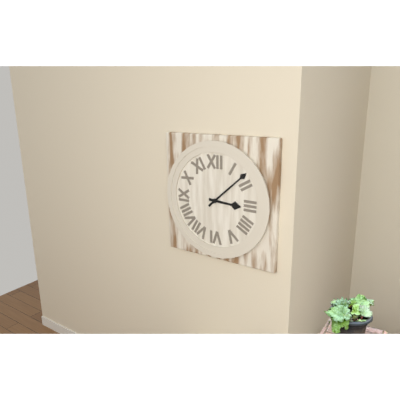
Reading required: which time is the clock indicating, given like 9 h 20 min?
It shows 3 h 08 min
